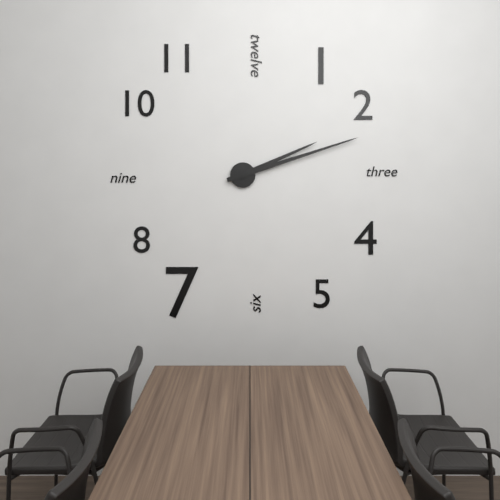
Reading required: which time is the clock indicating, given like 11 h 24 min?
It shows 2 h 12 min
